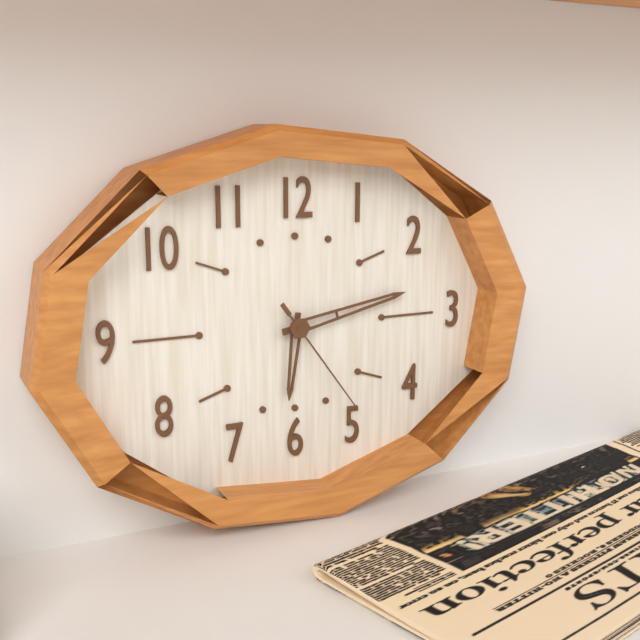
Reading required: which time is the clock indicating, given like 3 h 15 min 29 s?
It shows 6 h 13 min 24 s
